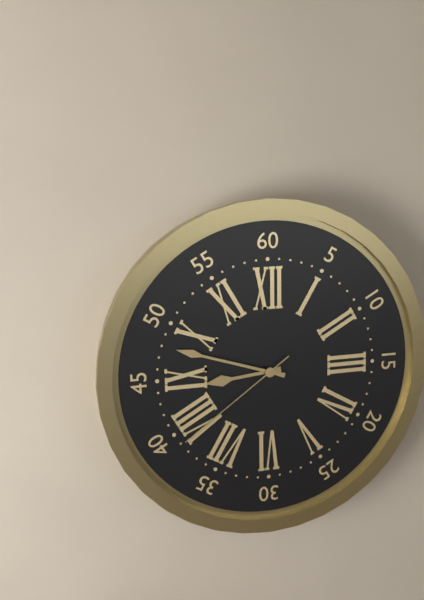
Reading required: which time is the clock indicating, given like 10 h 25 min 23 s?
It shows 8 h 48 min 39 s
